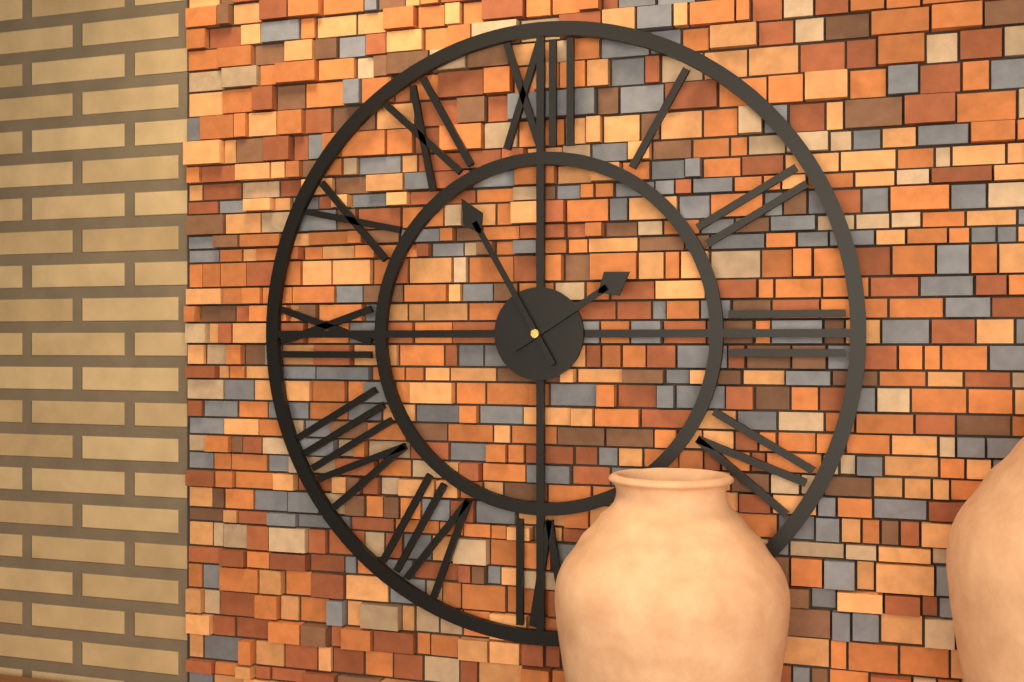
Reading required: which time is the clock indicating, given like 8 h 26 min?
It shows 1 h 55 min
